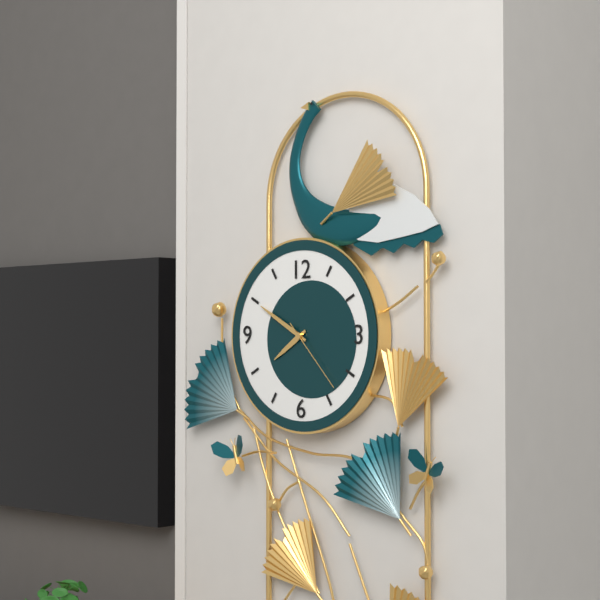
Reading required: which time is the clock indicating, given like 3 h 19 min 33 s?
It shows 7 h 50 min 23 s
